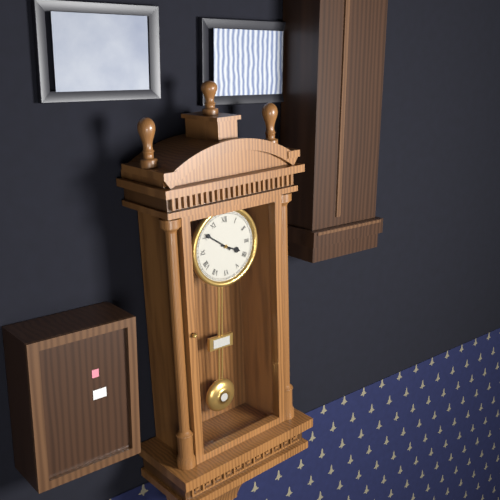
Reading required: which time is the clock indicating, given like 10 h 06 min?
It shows 3 h 51 min
